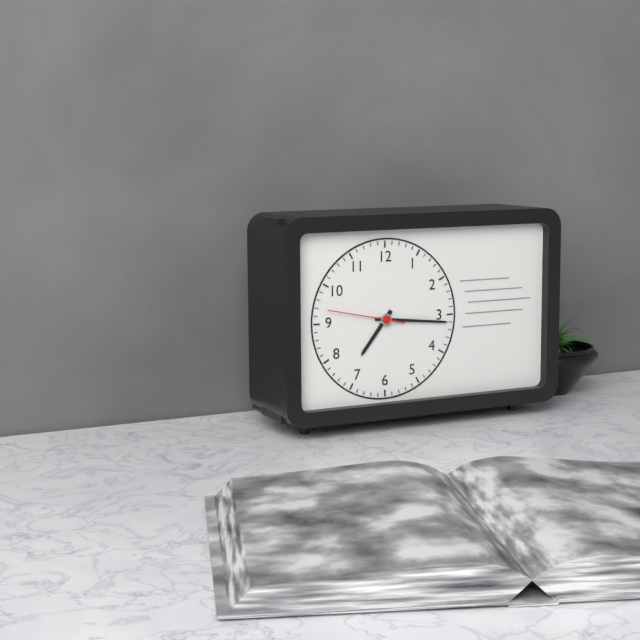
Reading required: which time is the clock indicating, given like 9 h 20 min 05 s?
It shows 7 h 16 min 47 s
